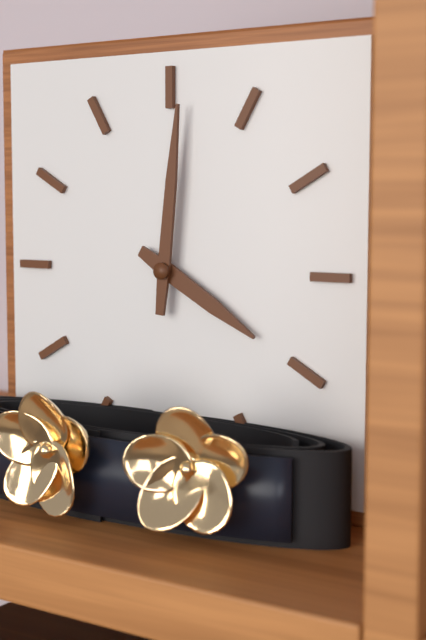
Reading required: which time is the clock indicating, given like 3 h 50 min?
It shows 4 h 01 min
